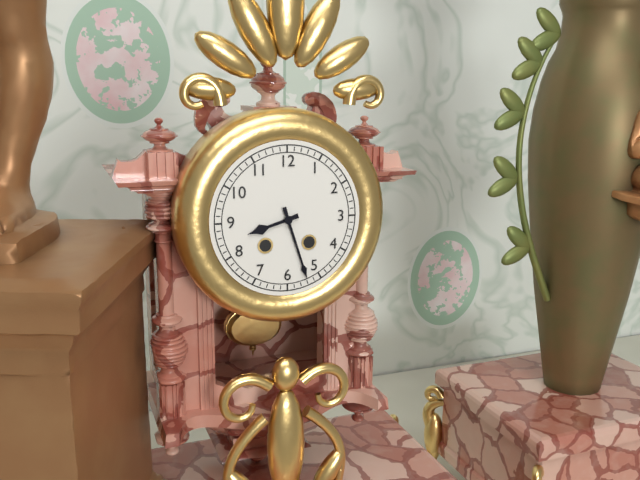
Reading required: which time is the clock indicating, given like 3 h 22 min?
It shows 8 h 27 min
